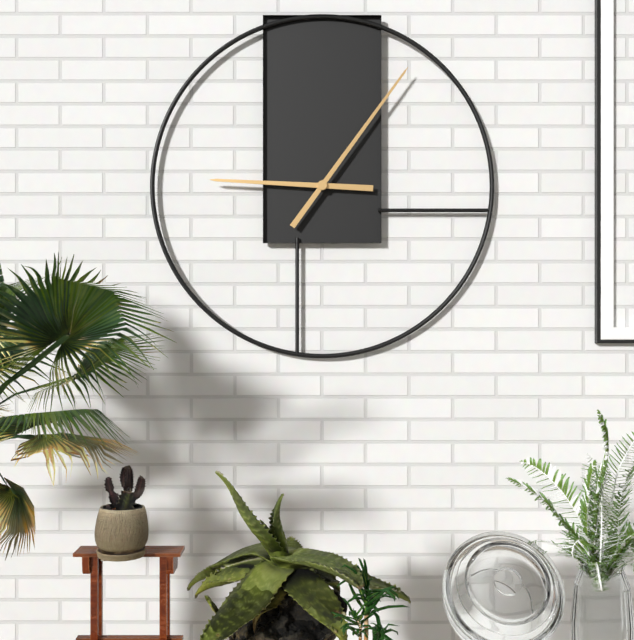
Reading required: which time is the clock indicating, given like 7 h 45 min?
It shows 9 h 06 min
